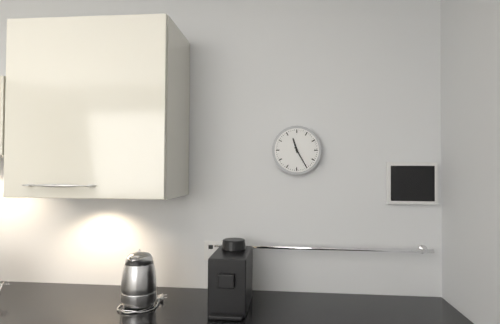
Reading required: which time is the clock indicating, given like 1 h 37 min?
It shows 11 h 25 min
